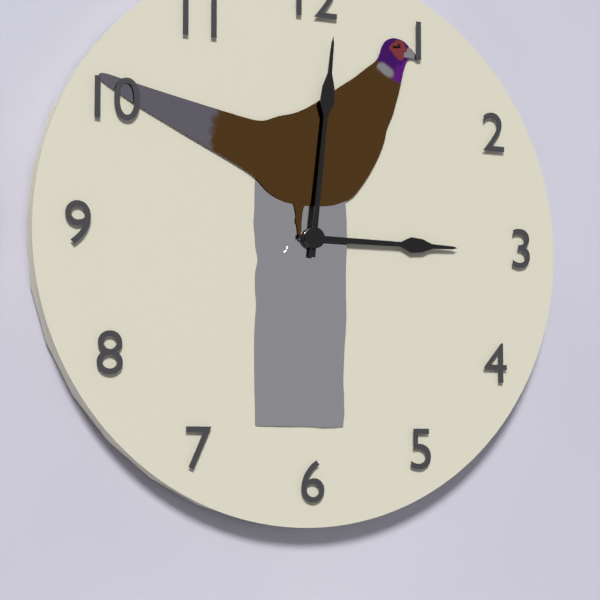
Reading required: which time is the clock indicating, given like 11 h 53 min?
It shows 3 h 01 min
